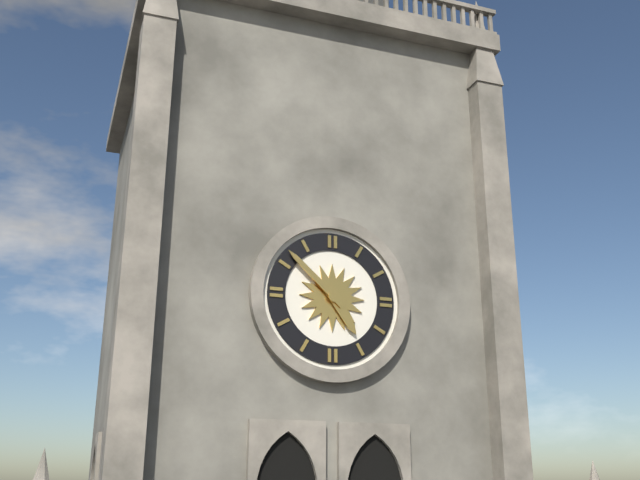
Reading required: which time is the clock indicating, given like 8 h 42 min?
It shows 4 h 52 min
